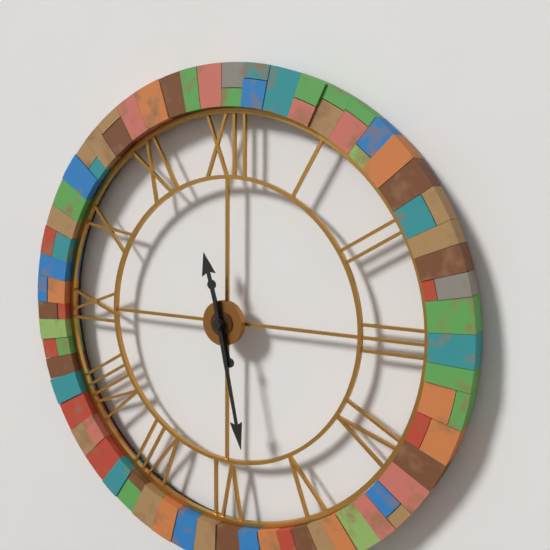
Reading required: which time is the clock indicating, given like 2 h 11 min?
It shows 11 h 28 min
